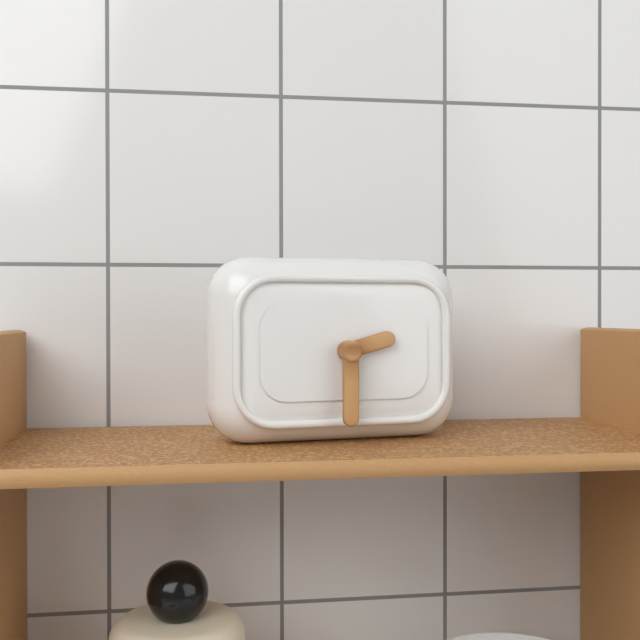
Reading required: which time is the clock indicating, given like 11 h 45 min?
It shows 2 h 30 min
